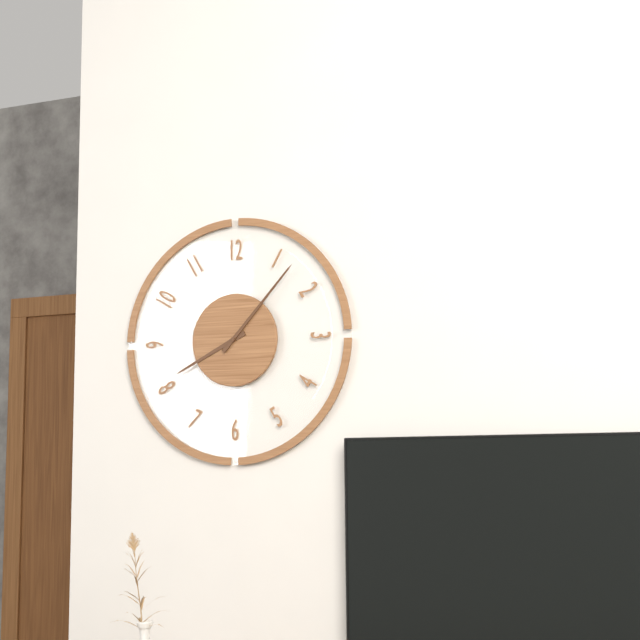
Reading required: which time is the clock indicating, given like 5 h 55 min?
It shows 8 h 07 min
